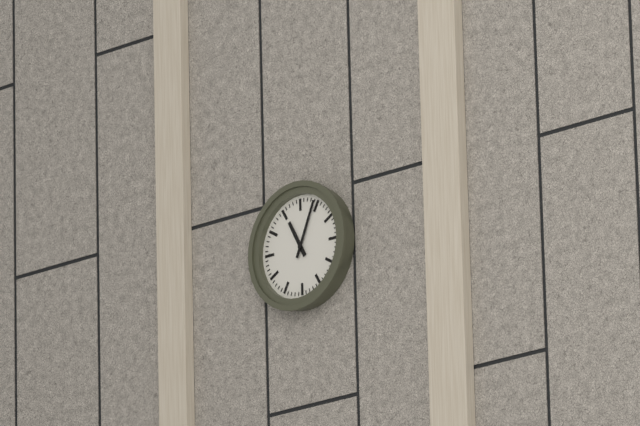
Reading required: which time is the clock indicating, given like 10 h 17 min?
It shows 11 h 04 min
